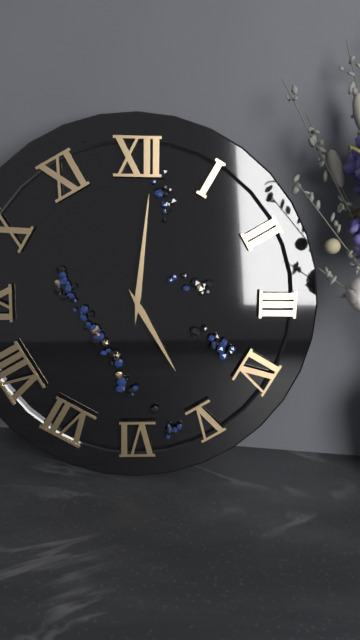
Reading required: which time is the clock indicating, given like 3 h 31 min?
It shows 5 h 01 min
